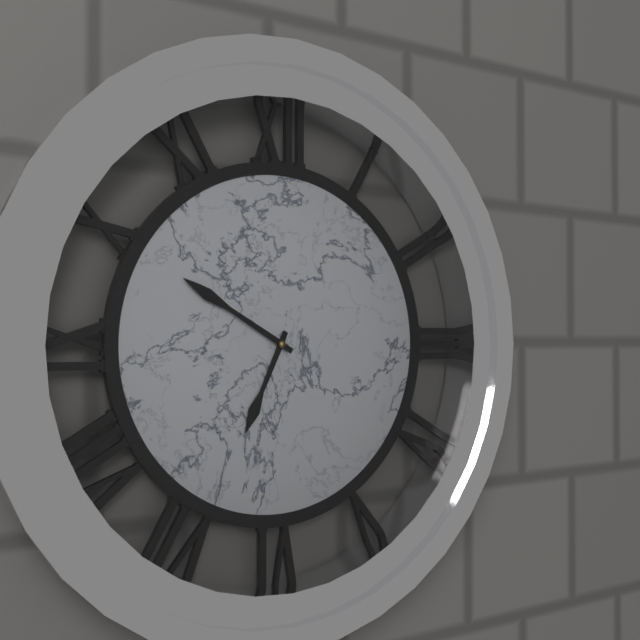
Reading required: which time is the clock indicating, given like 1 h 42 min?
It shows 6 h 50 min
